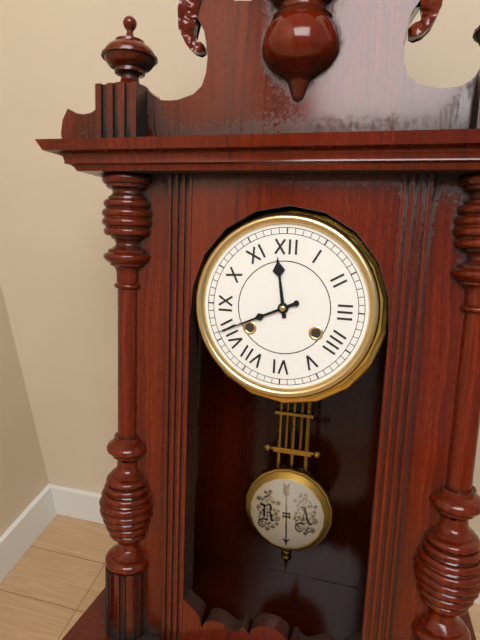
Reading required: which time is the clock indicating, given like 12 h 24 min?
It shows 11 h 41 min
